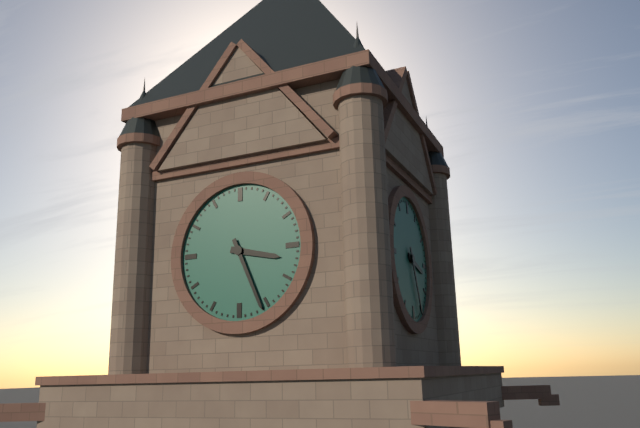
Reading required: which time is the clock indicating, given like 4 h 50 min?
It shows 3 h 26 min
